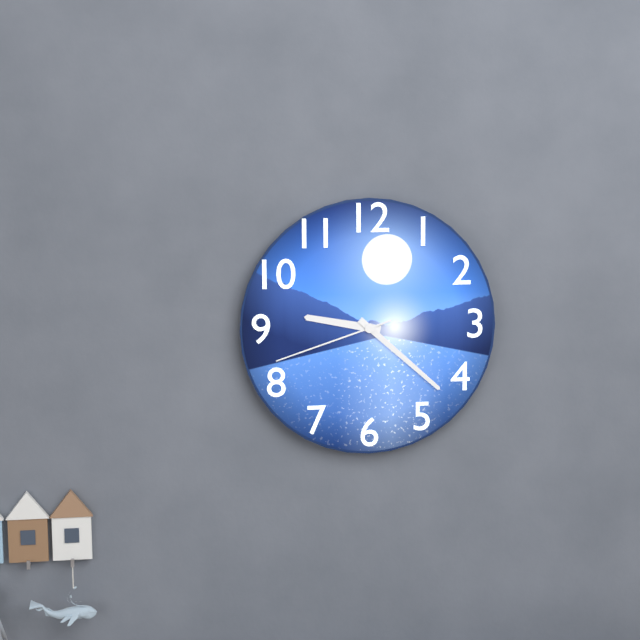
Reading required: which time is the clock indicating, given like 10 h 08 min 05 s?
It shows 9 h 22 min 42 s
